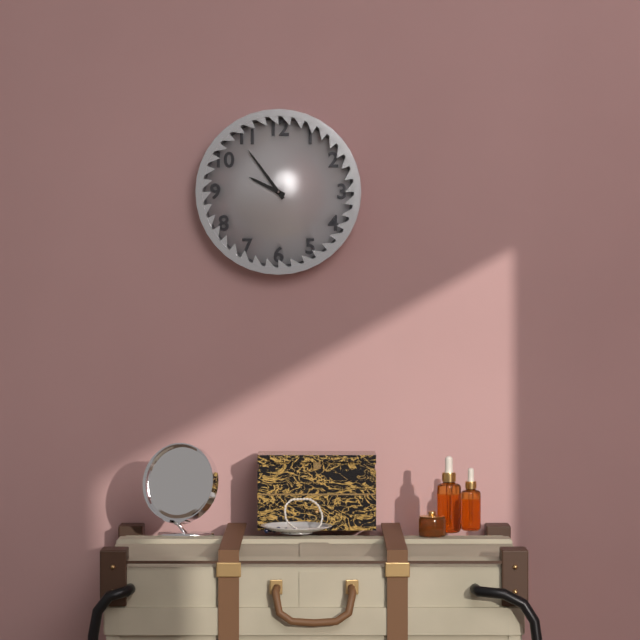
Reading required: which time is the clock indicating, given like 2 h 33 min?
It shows 9 h 54 min
